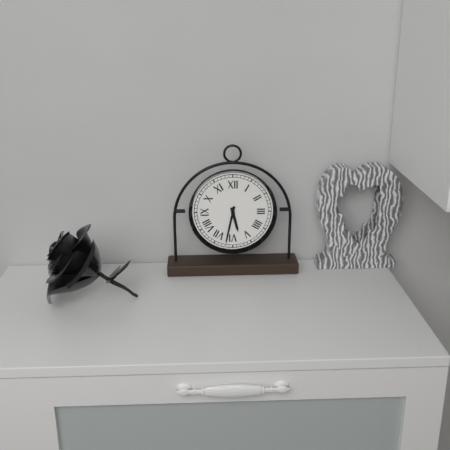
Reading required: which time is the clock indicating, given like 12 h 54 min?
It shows 5 h 32 min
